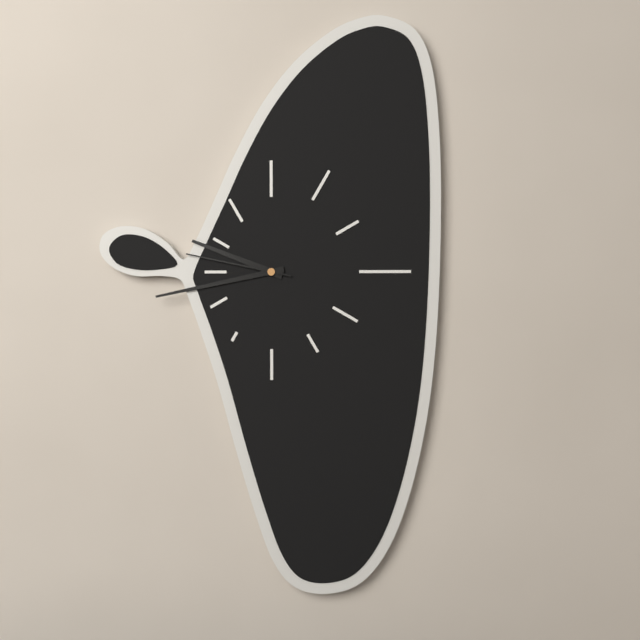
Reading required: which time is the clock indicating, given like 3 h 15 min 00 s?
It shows 9 h 43 min 47 s
